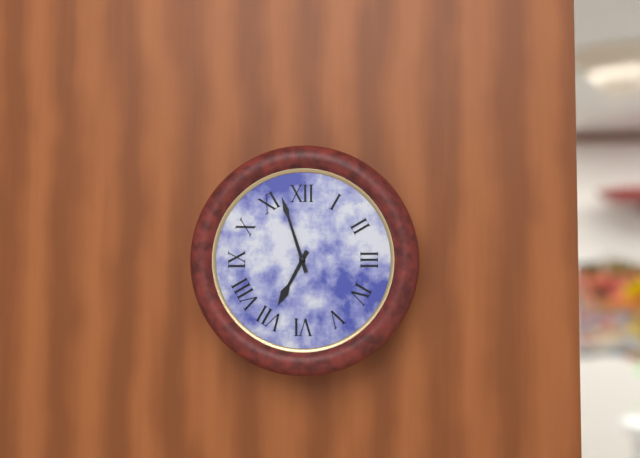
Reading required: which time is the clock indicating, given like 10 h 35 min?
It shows 6 h 57 min
